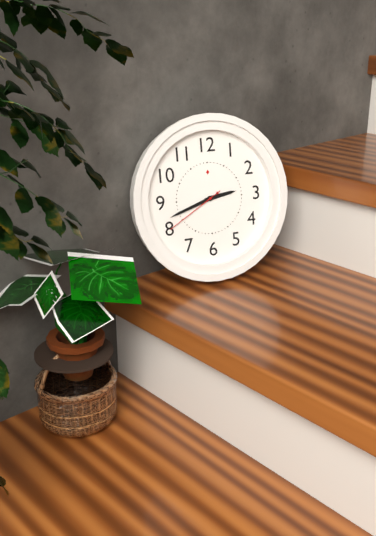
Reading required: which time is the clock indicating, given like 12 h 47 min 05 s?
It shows 2 h 42 min 40 s
